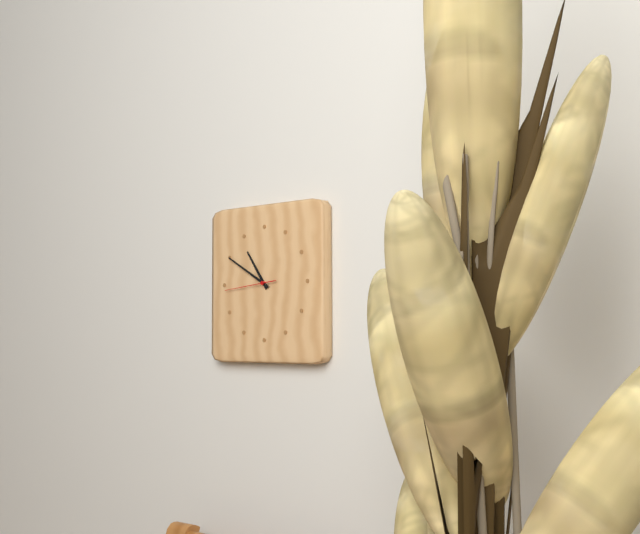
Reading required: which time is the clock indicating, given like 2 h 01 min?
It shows 10 h 50 min
